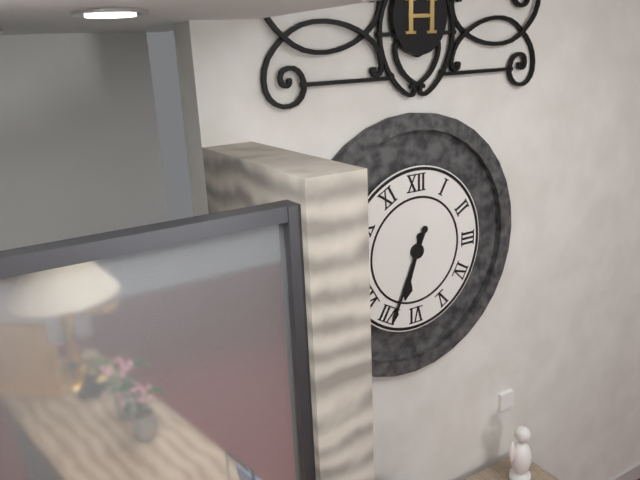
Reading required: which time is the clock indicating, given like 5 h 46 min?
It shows 6 h 34 min
